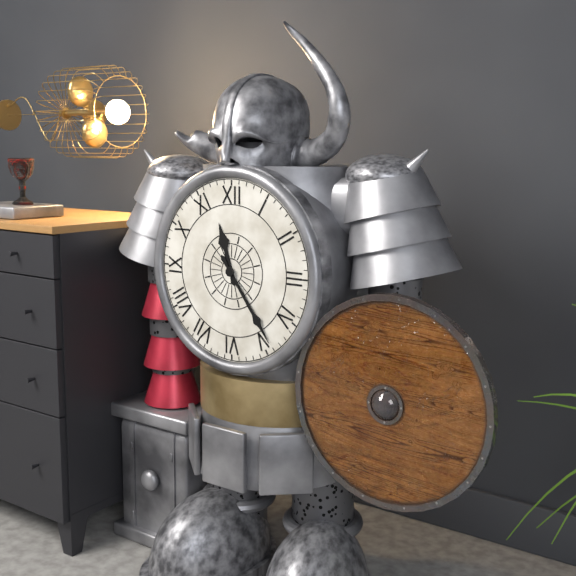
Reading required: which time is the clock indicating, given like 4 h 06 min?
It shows 11 h 24 min
